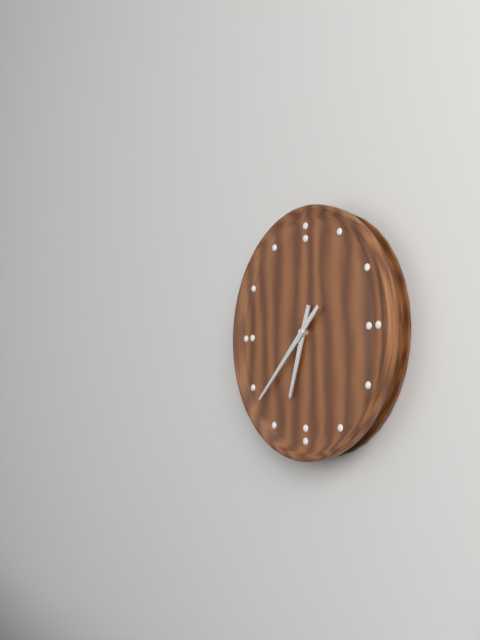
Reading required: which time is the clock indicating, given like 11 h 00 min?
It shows 6 h 38 min
